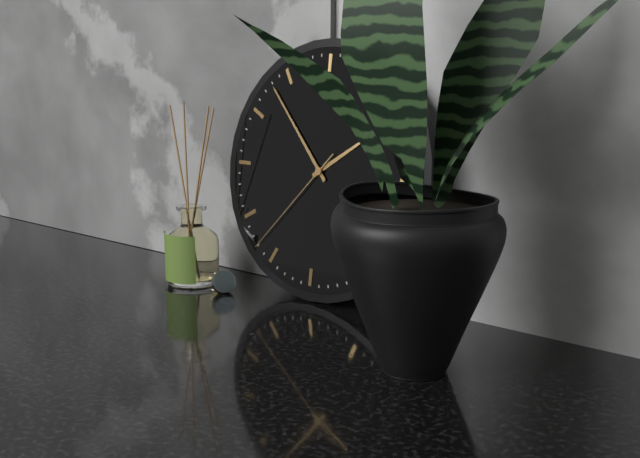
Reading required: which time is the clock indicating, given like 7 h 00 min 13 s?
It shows 1 h 53 min 37 s
